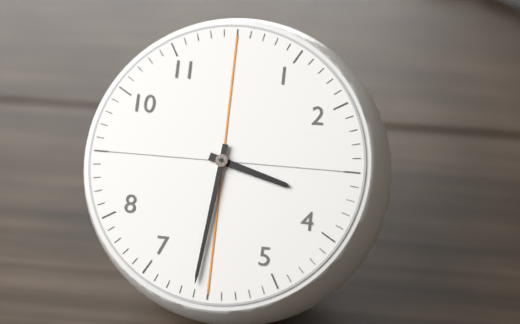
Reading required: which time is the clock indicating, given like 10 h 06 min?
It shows 3 h 31 min
